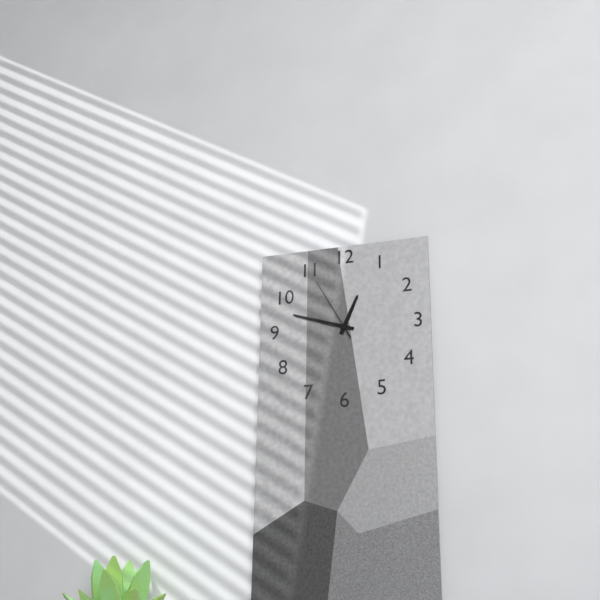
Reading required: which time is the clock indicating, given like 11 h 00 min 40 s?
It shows 12 h 48 min 55 s
